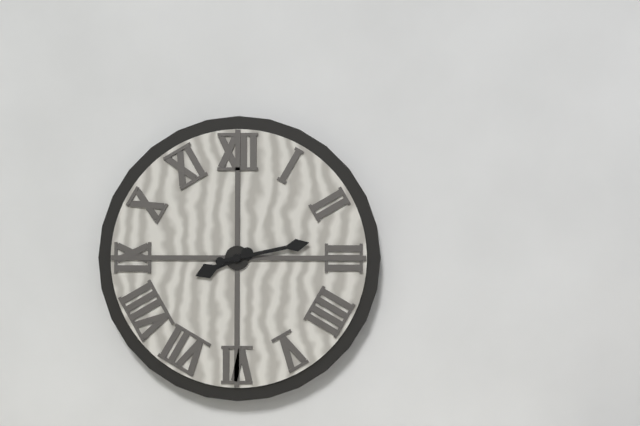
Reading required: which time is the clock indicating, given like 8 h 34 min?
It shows 8 h 13 min
